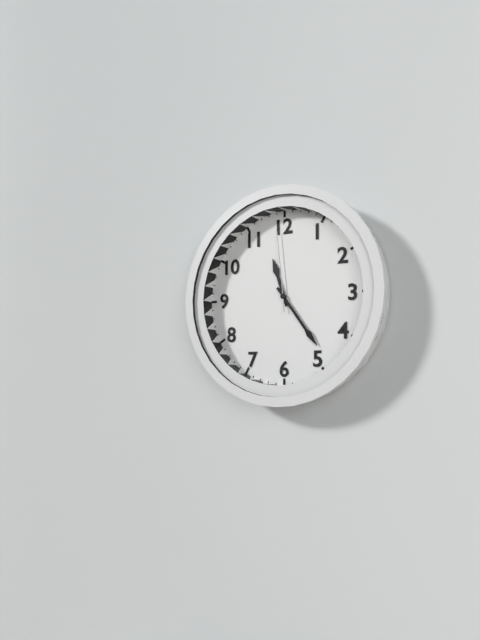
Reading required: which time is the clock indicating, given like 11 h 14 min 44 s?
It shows 11 h 24 min 59 s
